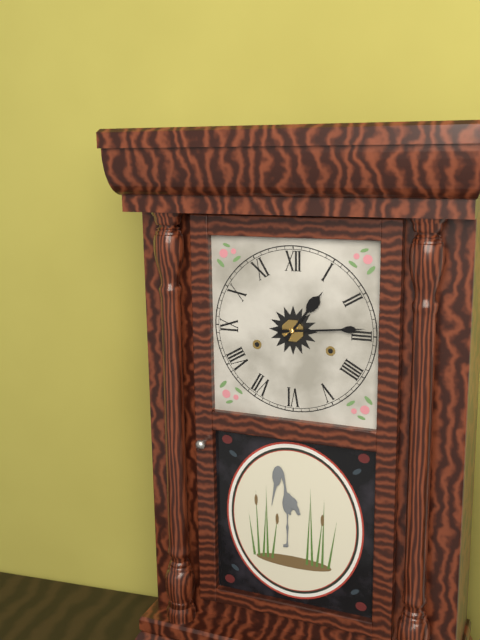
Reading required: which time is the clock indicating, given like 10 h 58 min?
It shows 1 h 14 min
